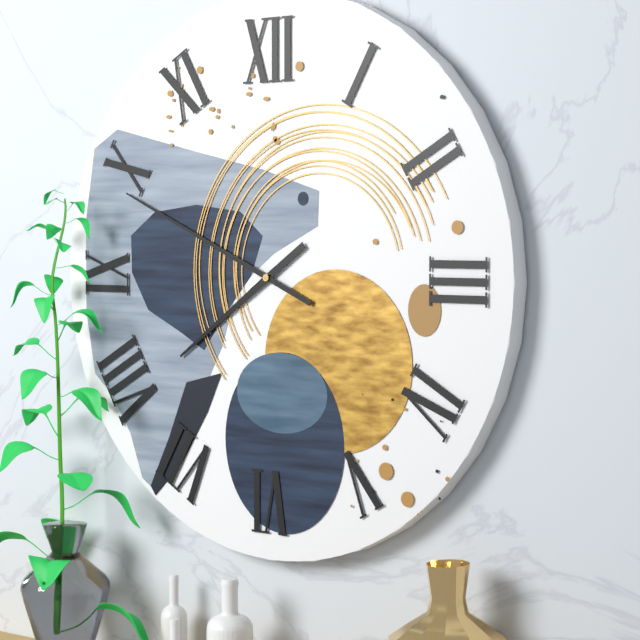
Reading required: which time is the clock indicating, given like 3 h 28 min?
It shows 7 h 49 min
